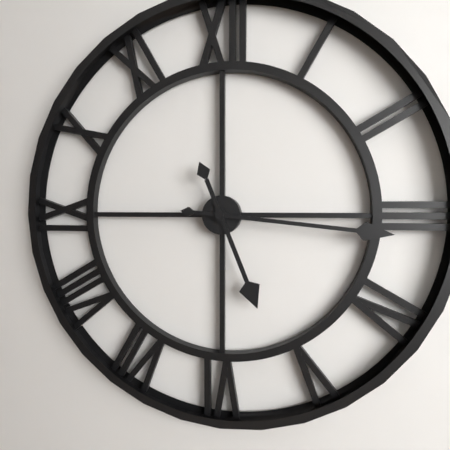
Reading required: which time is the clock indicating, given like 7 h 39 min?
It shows 5 h 16 min
